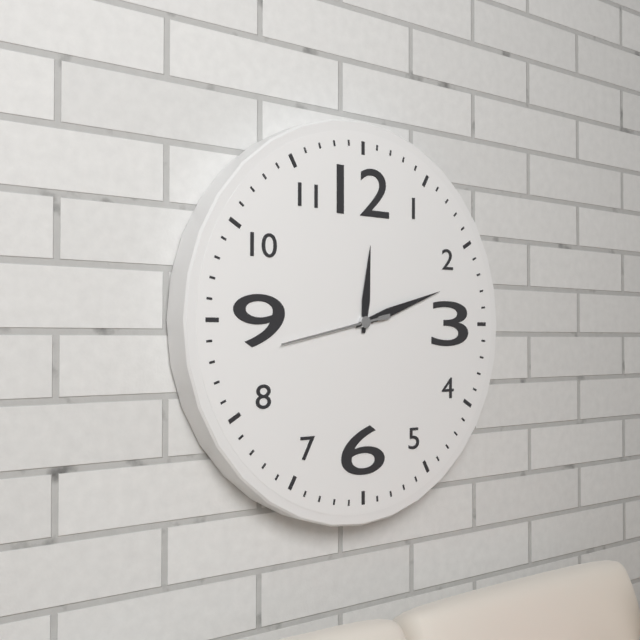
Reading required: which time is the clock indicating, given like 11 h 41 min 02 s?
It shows 12 h 12 min 43 s
